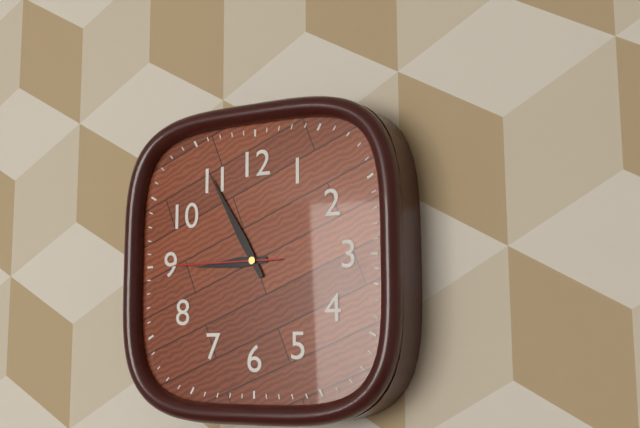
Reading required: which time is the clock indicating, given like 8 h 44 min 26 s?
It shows 8 h 55 min 45 s
